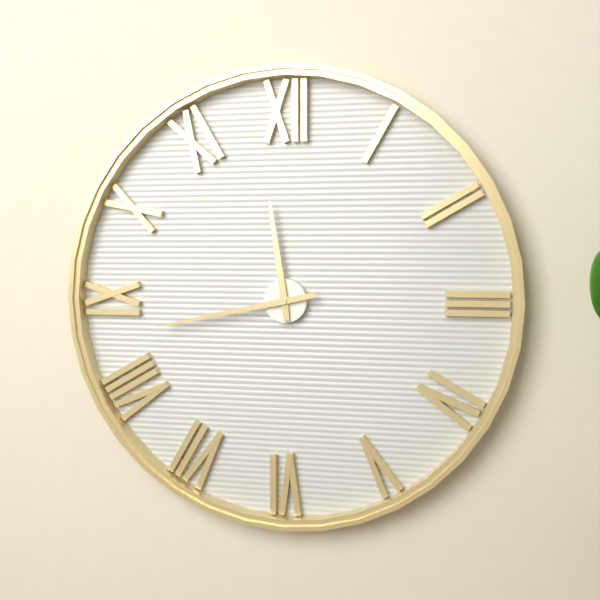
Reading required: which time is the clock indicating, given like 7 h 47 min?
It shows 11 h 43 min
